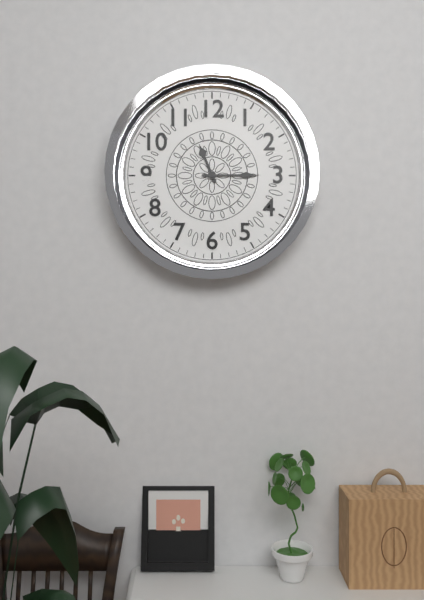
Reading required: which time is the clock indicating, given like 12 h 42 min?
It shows 11 h 15 min
